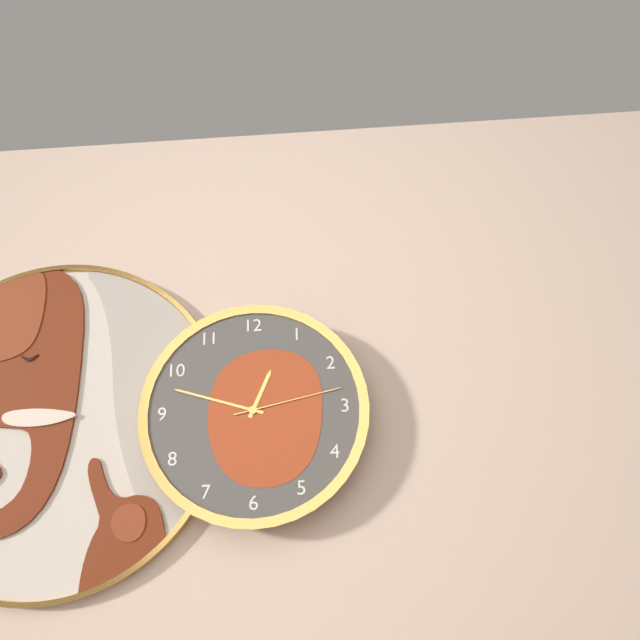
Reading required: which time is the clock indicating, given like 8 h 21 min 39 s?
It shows 12 h 48 min 13 s
